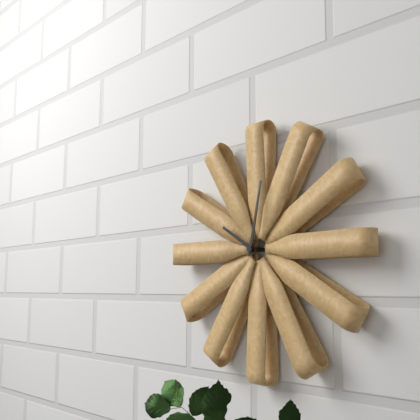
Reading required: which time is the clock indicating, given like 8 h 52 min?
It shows 10 h 02 min
